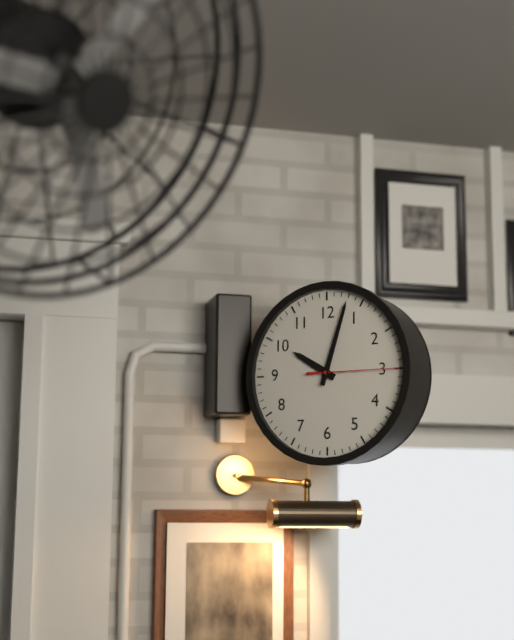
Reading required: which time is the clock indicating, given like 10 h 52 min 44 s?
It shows 10 h 03 min 15 s
